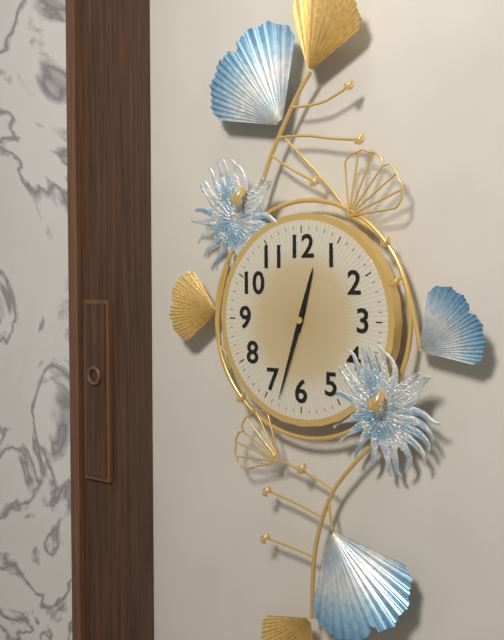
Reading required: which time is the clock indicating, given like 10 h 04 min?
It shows 12 h 33 min
